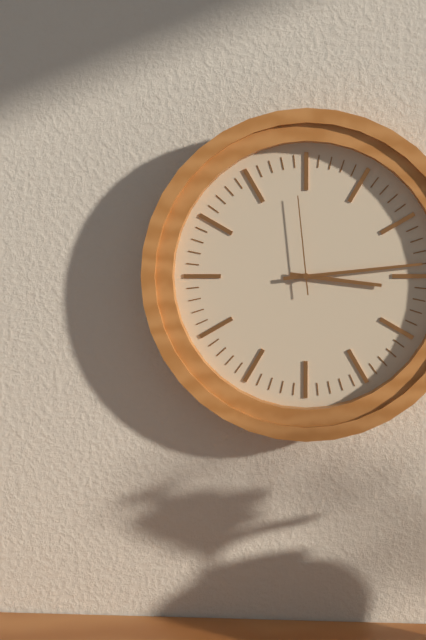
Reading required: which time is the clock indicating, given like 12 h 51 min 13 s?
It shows 3 h 14 min 59 s
